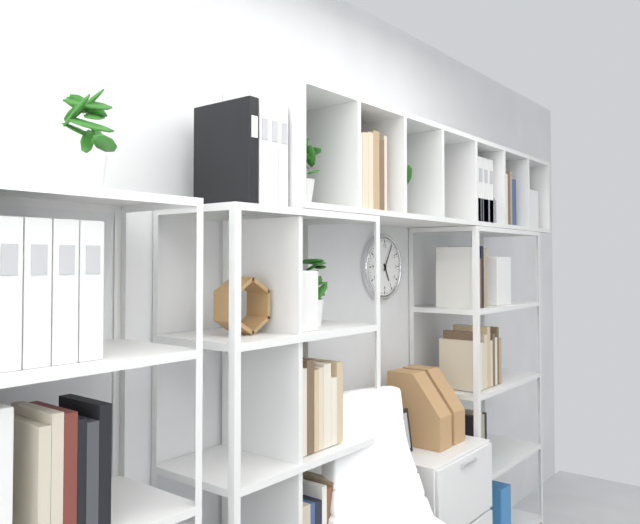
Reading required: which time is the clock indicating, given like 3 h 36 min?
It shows 5 h 05 min
